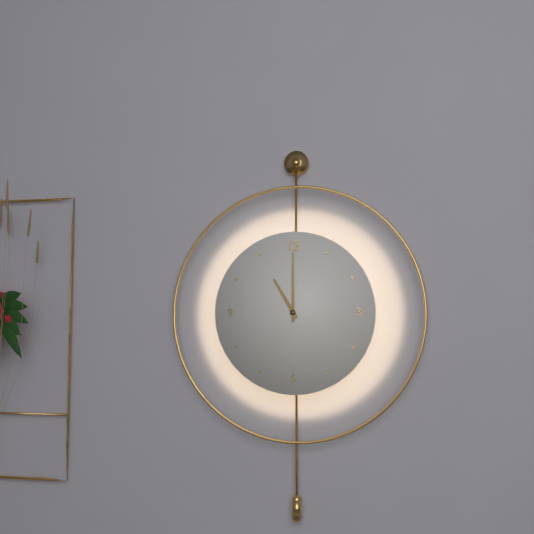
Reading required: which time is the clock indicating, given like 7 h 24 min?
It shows 11 h 00 min
